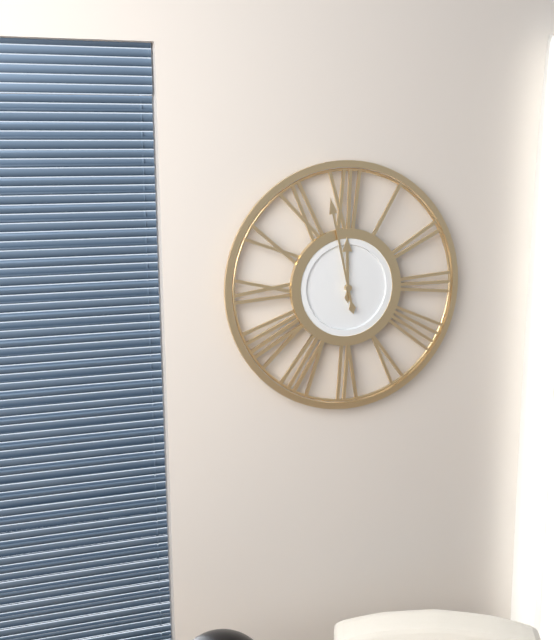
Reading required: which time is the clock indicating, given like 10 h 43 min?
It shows 11 h 58 min
